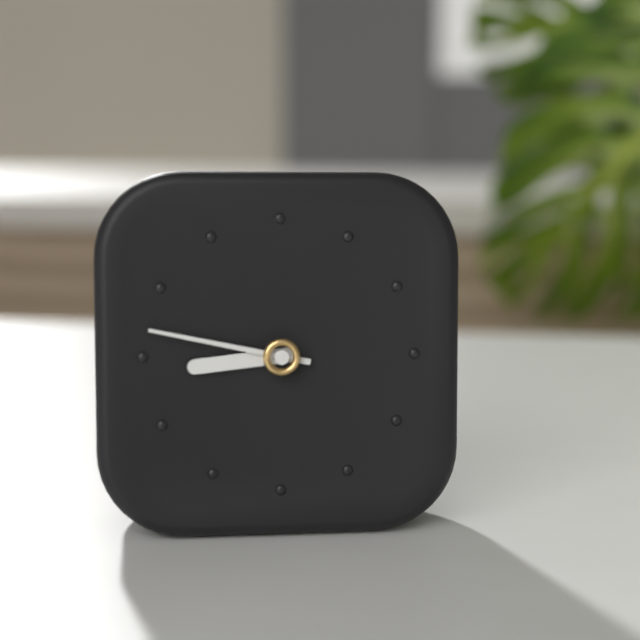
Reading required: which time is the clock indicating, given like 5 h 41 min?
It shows 8 h 47 min
